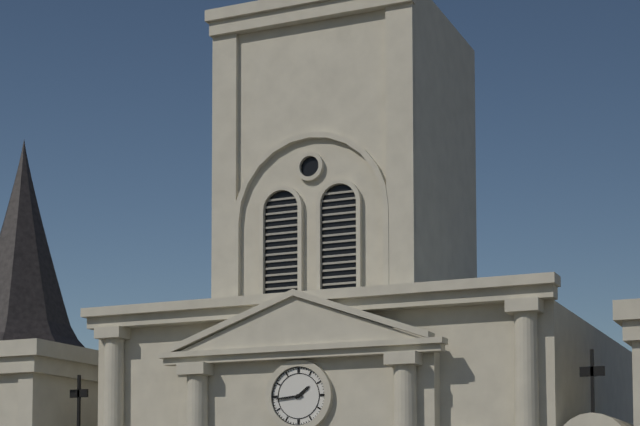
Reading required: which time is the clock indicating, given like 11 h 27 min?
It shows 1 h 44 min
